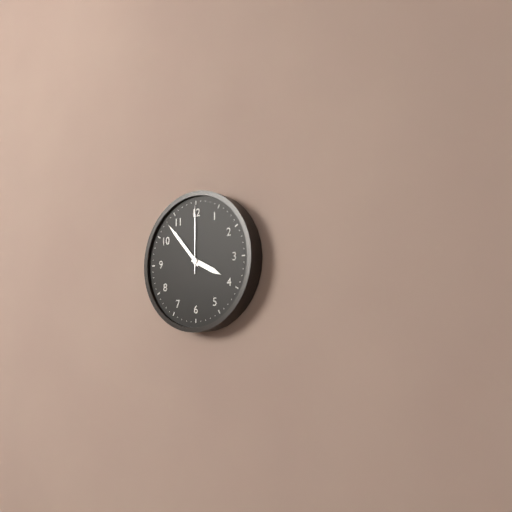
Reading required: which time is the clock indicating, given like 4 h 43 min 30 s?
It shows 3 h 53 min 00 s
